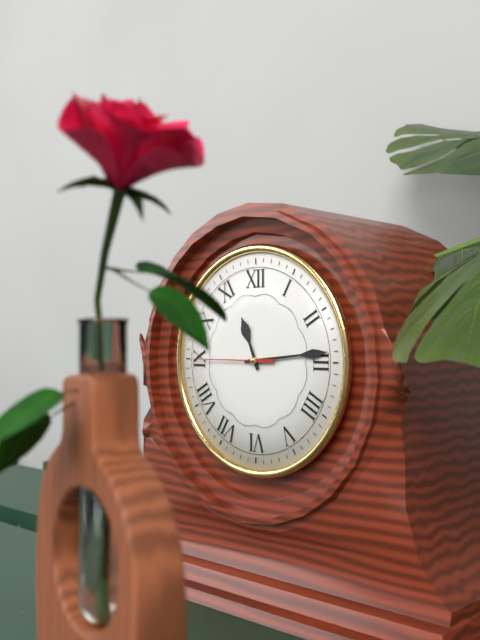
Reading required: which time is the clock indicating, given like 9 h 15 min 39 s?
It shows 11 h 14 min 45 s
